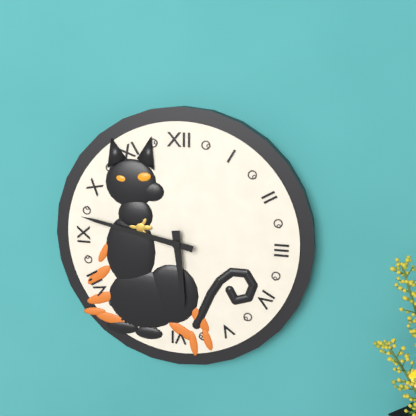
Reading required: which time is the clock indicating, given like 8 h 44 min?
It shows 5 h 47 min
